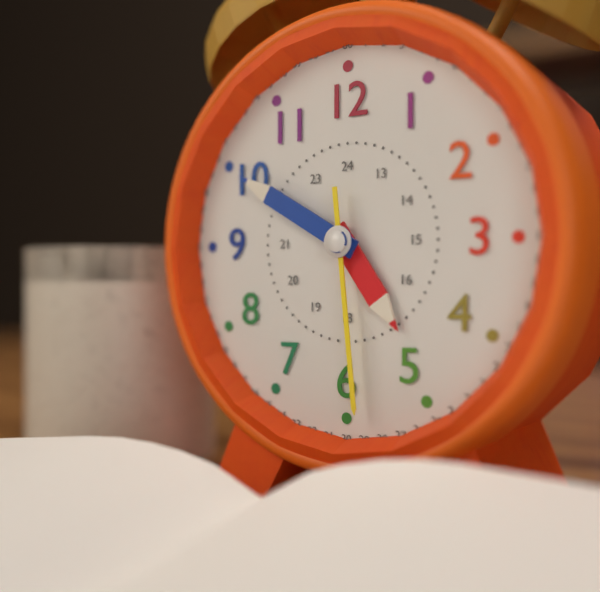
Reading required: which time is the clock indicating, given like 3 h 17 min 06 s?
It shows 4 h 50 min 29 s
